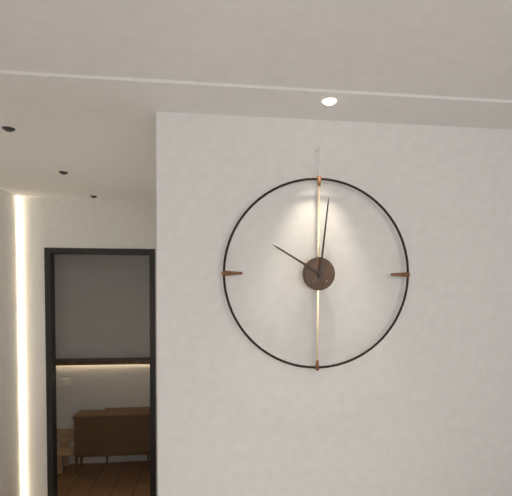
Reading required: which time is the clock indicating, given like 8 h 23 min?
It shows 10 h 01 min
